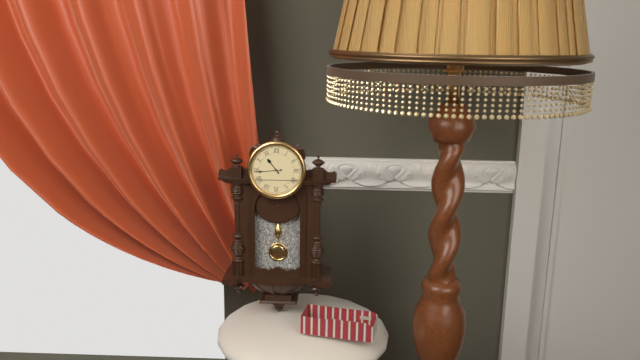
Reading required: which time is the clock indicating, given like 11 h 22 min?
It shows 10 h 44 min
